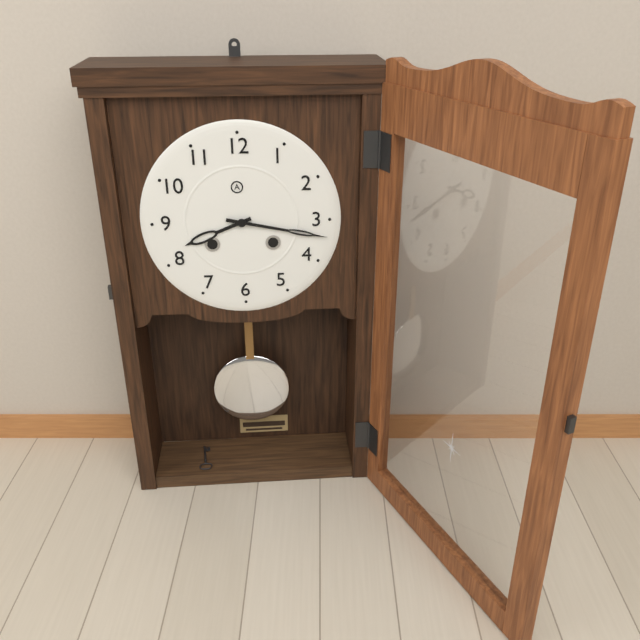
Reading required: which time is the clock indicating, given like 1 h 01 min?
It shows 8 h 17 min
